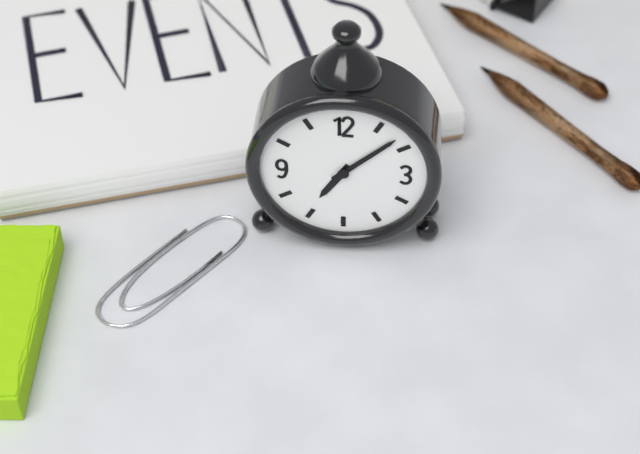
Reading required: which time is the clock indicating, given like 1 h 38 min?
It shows 7 h 08 min
